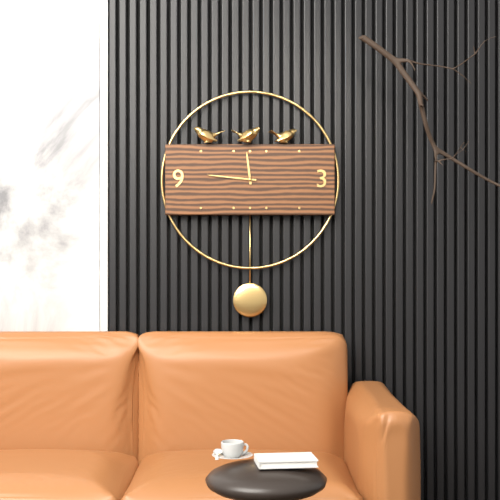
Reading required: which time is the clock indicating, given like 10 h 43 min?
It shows 11 h 46 min
